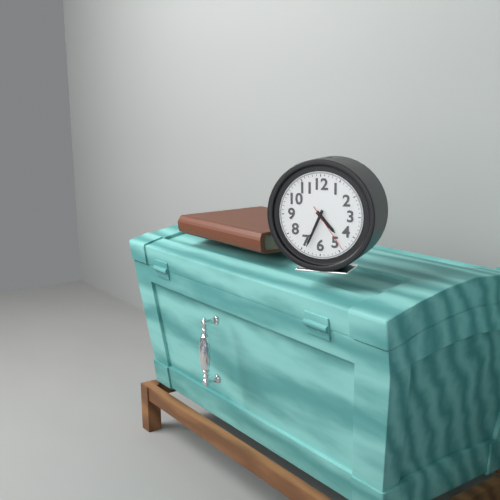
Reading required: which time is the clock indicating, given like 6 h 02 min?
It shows 4 h 34 min
